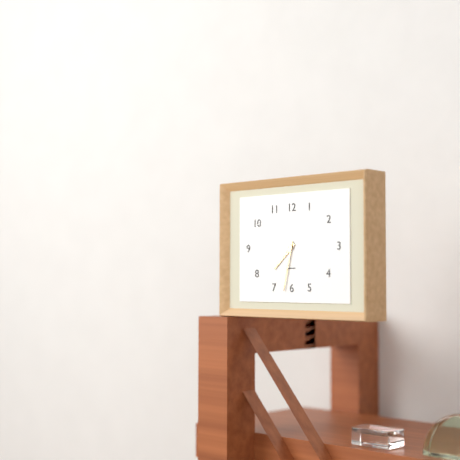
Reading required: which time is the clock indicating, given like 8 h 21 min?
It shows 7 h 32 min
